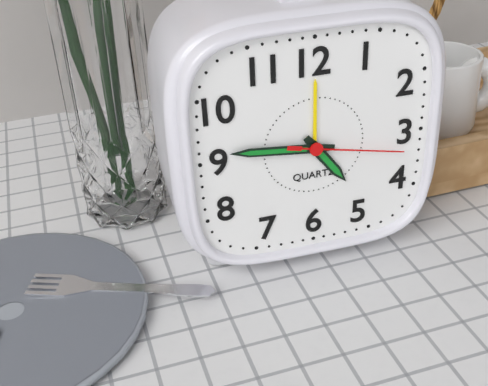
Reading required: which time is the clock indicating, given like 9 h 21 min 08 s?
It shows 4 h 46 min 17 s
